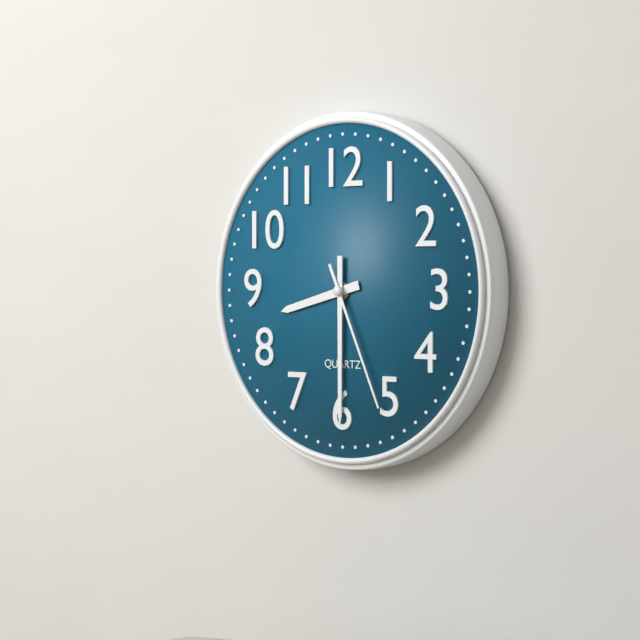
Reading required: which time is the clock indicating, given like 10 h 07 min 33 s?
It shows 8 h 30 min 26 s
